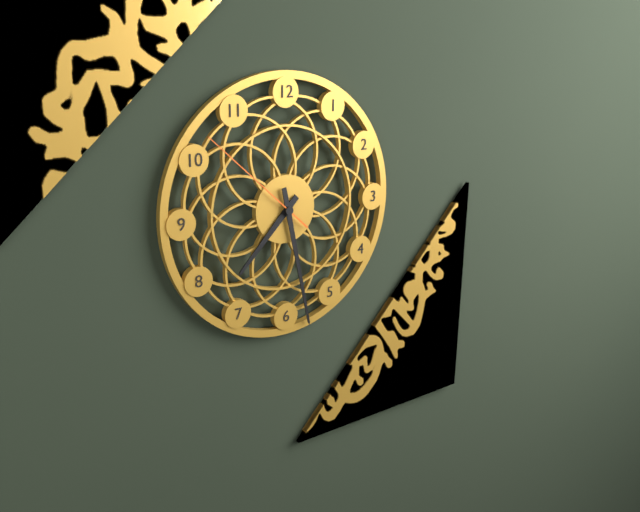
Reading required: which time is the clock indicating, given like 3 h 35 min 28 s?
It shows 7 h 28 min 52 s
